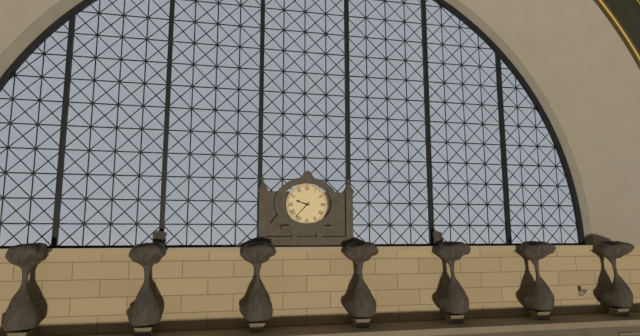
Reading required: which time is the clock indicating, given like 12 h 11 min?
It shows 9 h 37 min
